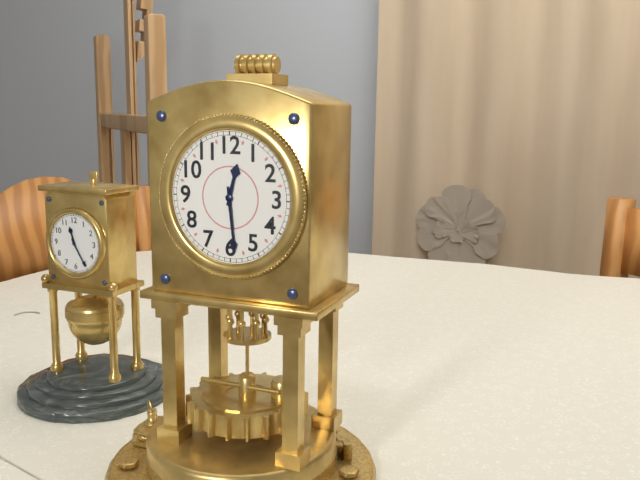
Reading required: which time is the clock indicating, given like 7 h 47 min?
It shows 12 h 29 min
